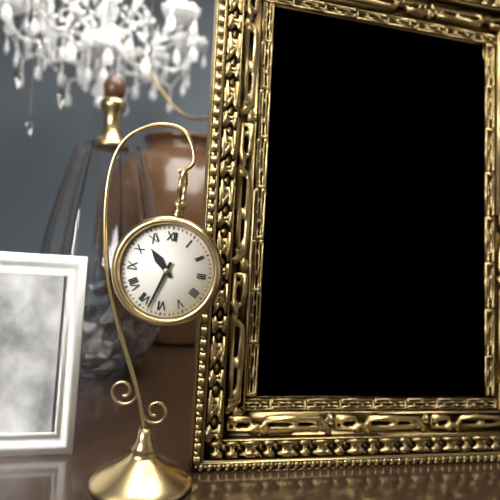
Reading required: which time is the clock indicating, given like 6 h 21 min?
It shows 10 h 33 min
